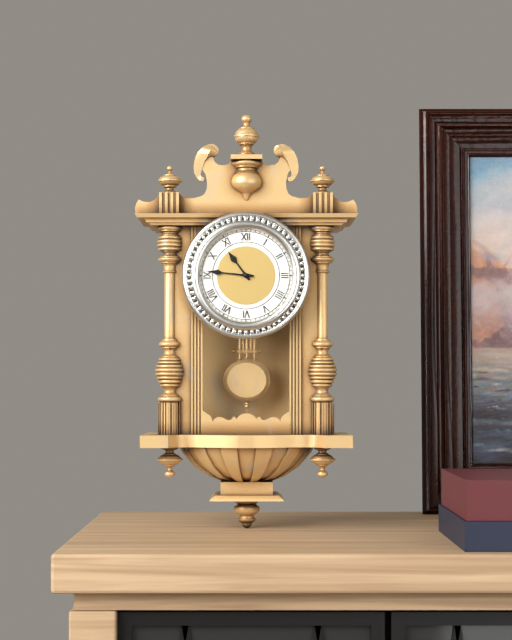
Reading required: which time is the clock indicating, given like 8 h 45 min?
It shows 10 h 46 min
